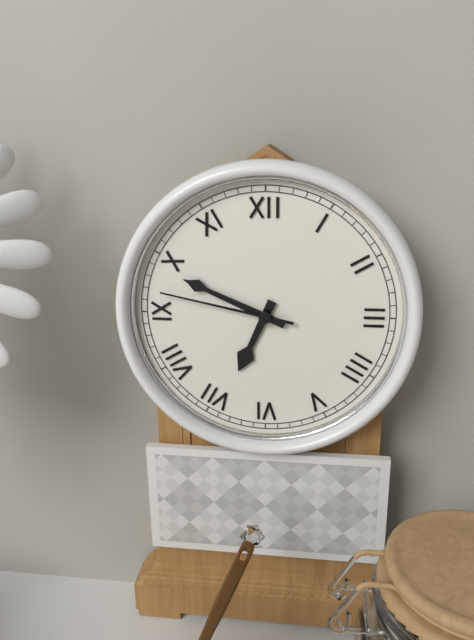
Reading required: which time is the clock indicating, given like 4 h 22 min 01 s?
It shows 6 h 49 min 47 s
